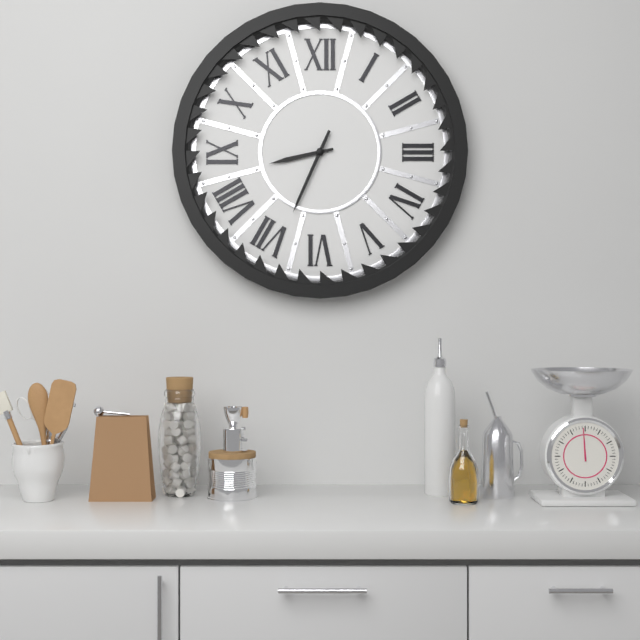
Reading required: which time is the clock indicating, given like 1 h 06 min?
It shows 8 h 34 min
